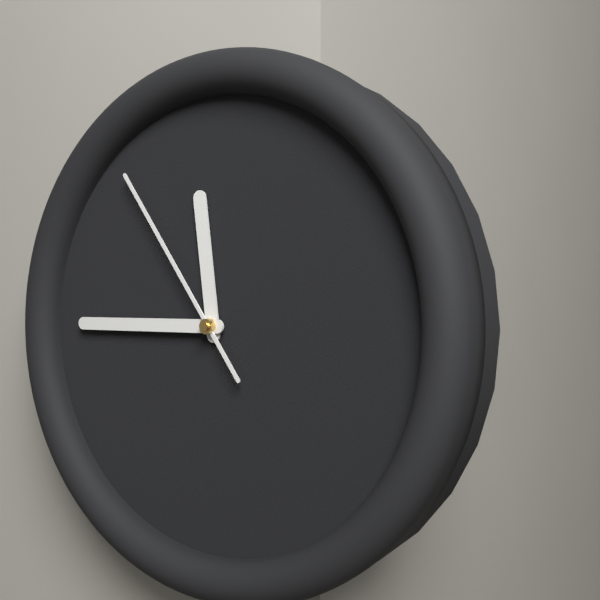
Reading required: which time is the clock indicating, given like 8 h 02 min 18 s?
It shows 11 h 45 min 54 s
